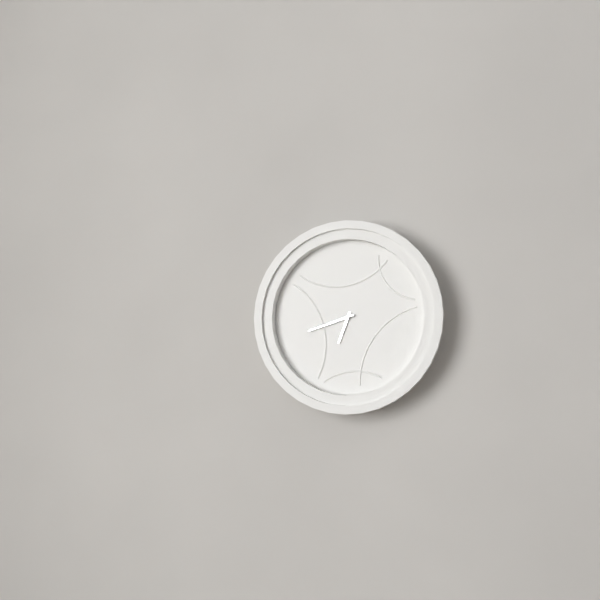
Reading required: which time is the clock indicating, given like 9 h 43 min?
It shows 6 h 42 min
